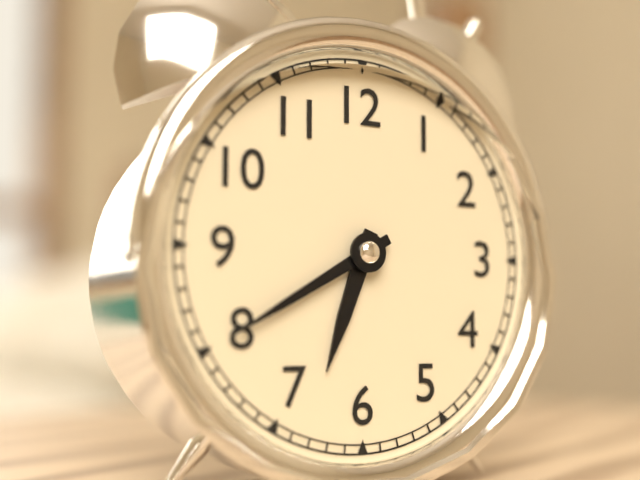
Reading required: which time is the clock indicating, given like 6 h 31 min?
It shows 6 h 40 min
